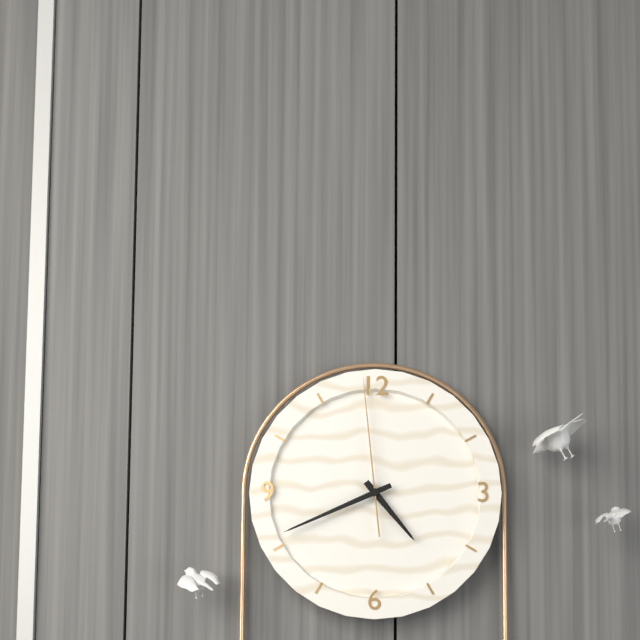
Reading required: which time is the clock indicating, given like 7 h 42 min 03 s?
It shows 4 h 41 min 59 s
